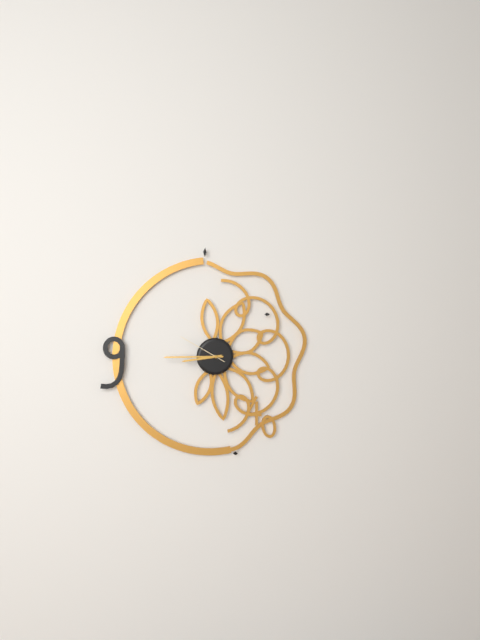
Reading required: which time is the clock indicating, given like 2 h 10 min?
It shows 8 h 45 min
